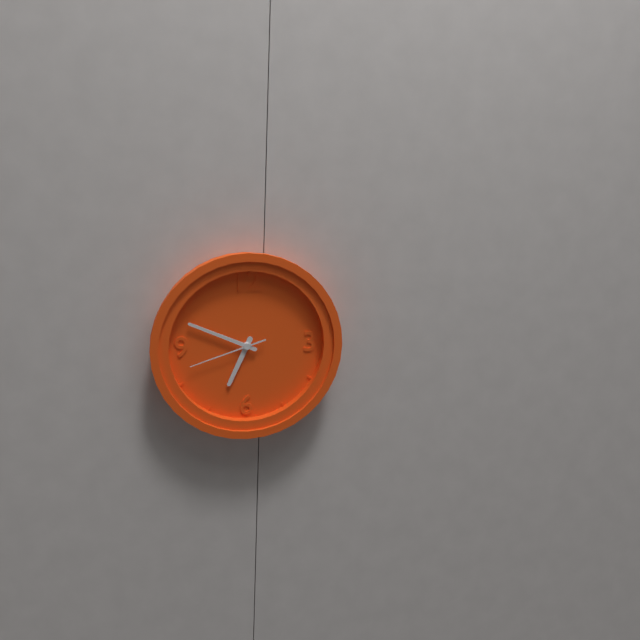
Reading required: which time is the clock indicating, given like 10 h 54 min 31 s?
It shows 6 h 49 min 42 s
